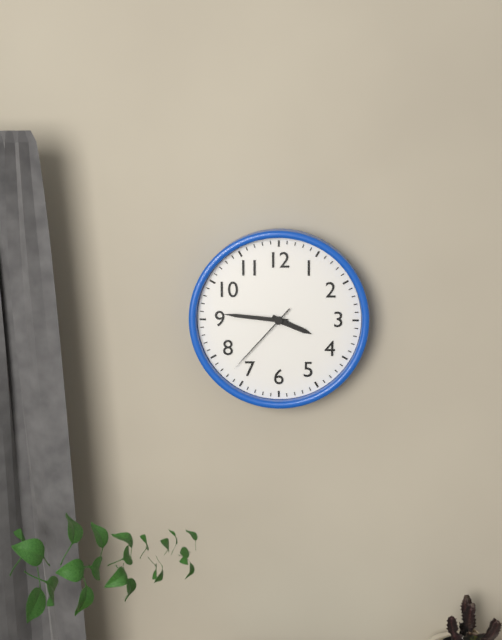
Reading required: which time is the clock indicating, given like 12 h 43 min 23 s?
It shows 3 h 46 min 37 s
